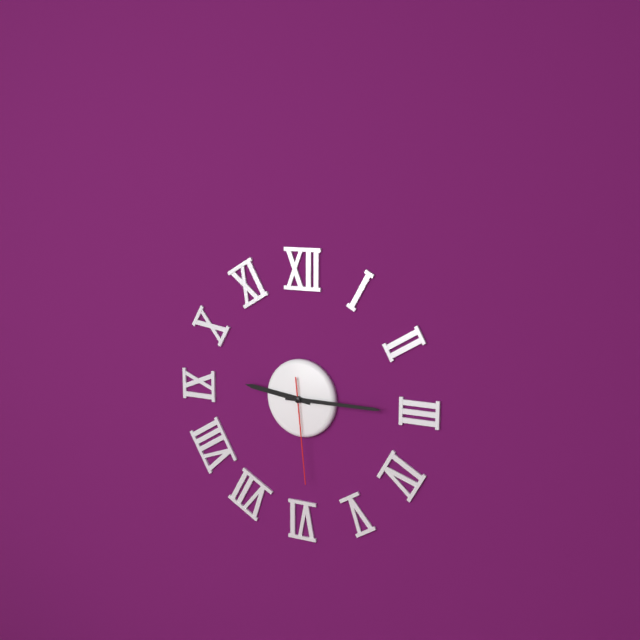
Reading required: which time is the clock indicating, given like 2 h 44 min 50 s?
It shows 9 h 15 min 29 s
